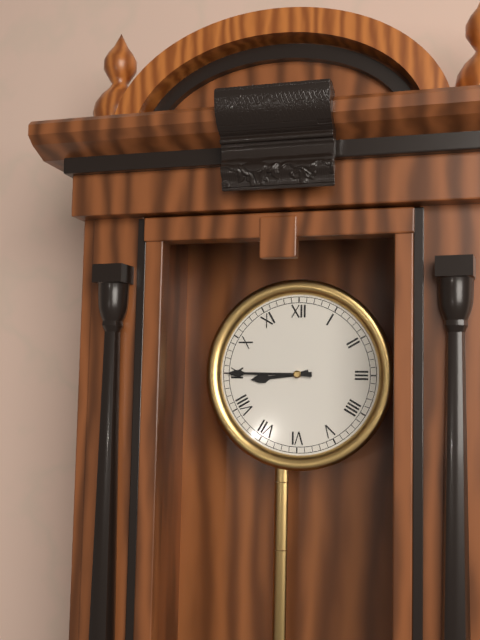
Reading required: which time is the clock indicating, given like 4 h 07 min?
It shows 8 h 45 min
